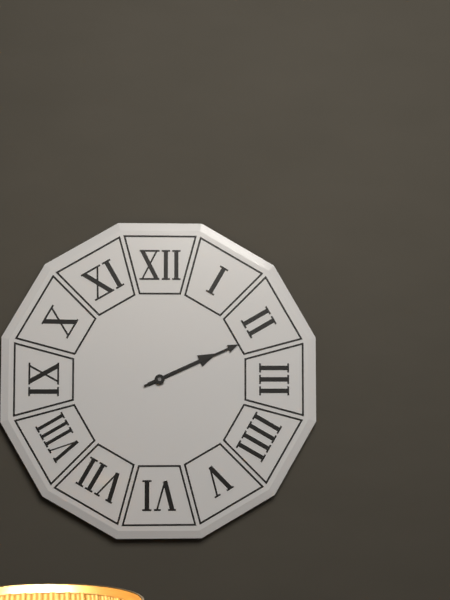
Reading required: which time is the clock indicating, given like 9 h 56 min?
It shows 2 h 11 min
